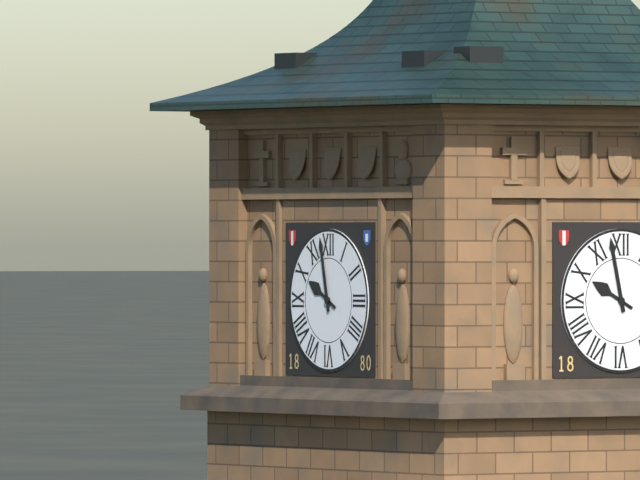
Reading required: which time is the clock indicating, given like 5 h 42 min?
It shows 9 h 58 min
